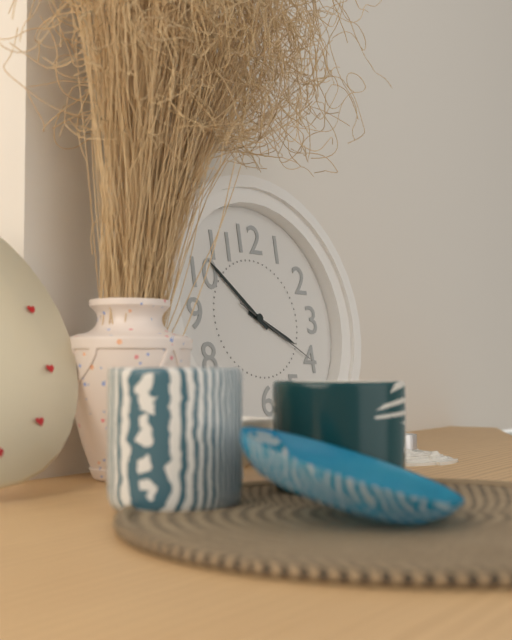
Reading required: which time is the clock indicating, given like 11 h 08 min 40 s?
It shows 3 h 52 min 20 s
